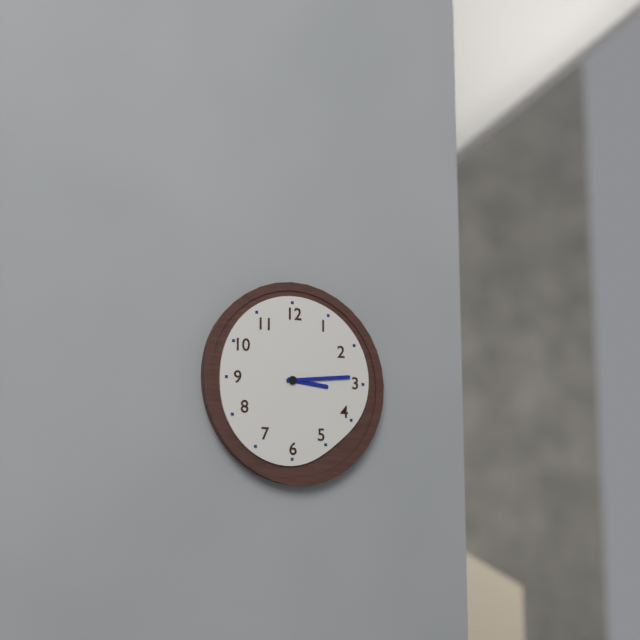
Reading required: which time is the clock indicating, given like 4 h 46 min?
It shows 3 h 14 min
